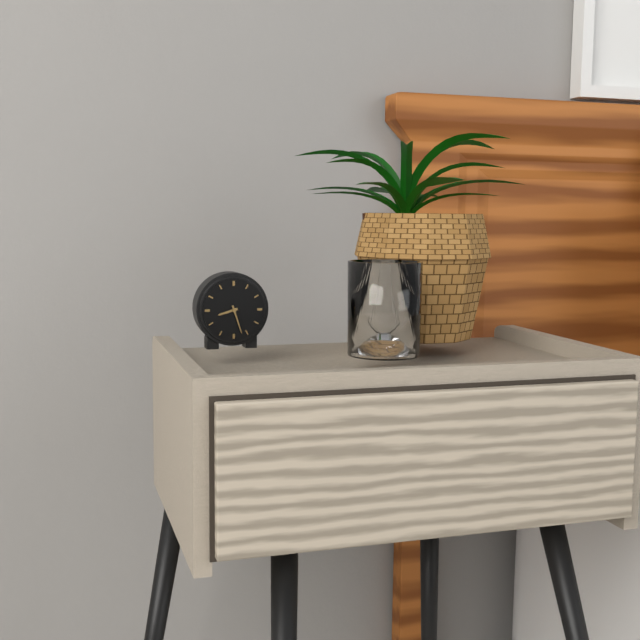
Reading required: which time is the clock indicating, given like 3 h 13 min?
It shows 8 h 27 min
